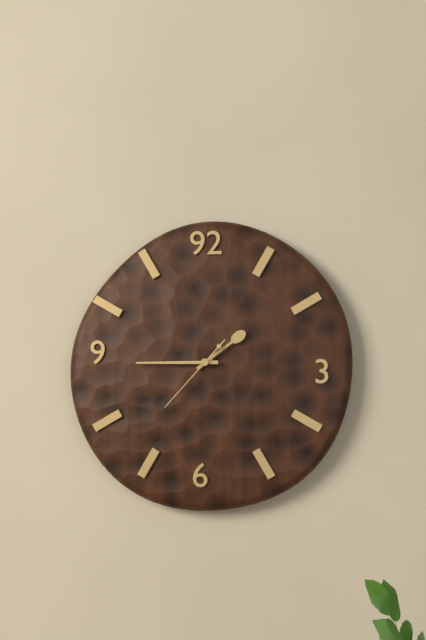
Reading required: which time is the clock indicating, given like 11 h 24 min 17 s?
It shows 1 h 45 min 37 s
